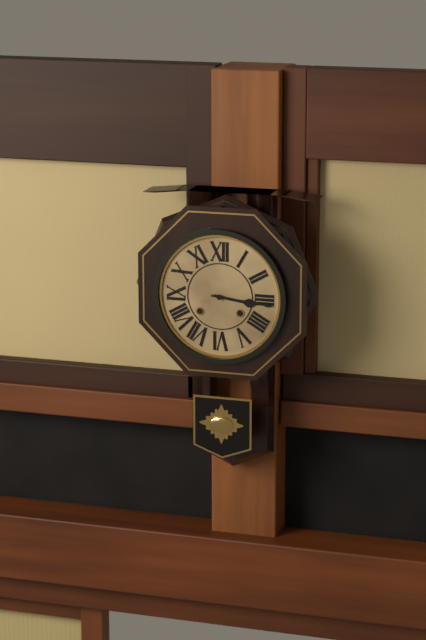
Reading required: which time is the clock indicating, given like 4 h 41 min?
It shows 3 h 16 min
